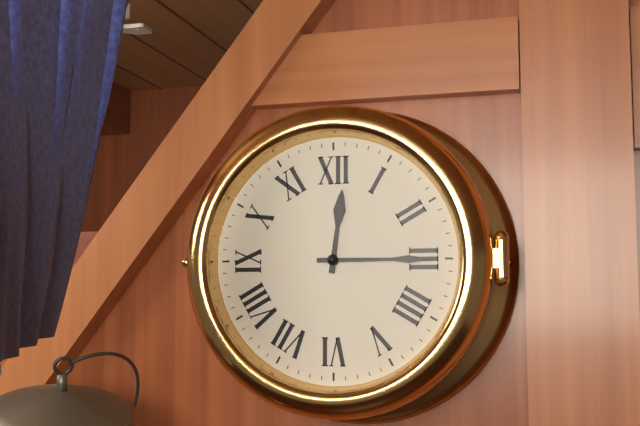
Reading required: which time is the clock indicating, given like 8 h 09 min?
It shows 12 h 15 min
